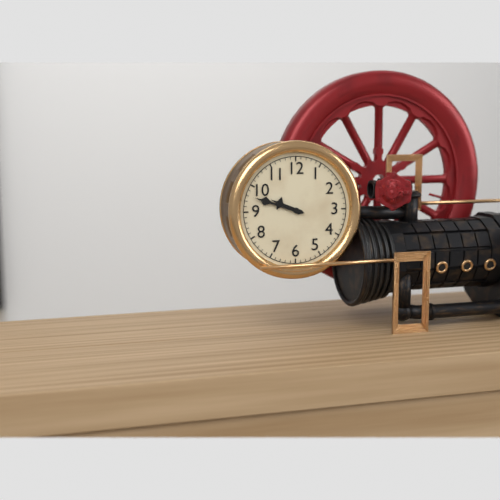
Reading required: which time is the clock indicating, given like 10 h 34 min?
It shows 9 h 48 min
